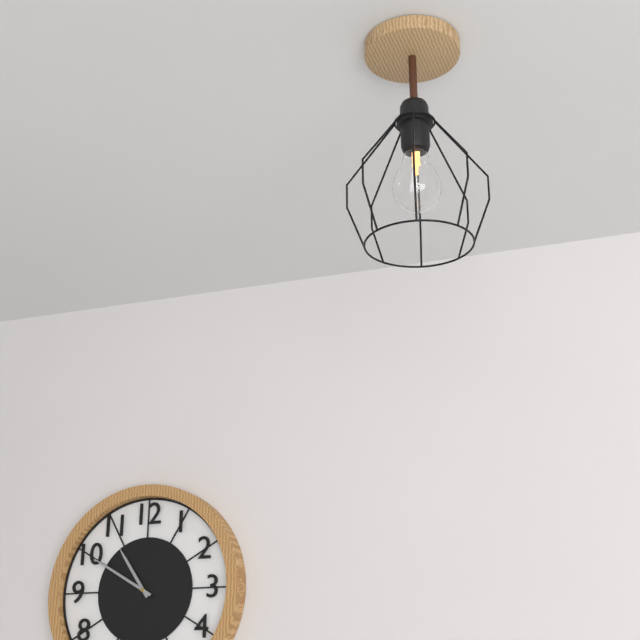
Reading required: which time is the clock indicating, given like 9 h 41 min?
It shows 10 h 50 min
